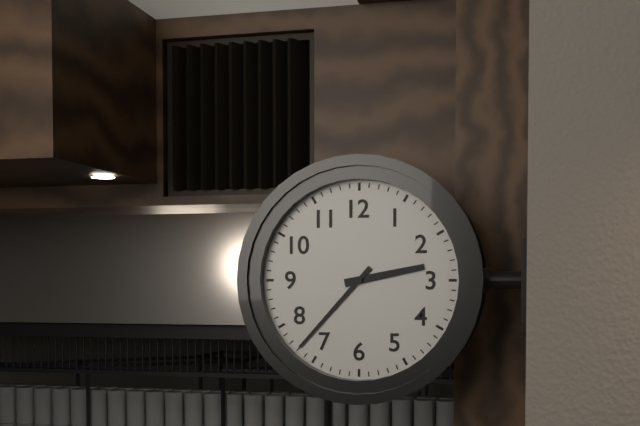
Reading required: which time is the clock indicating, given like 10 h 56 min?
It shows 2 h 37 min
